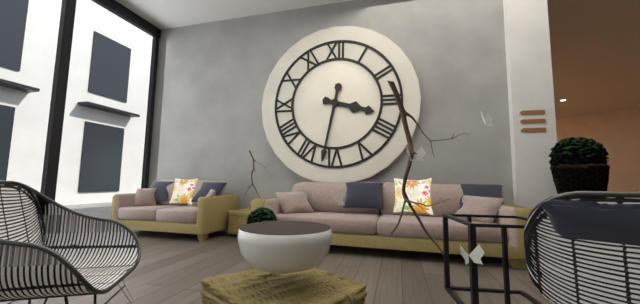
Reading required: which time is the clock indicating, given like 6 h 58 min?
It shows 3 h 32 min
